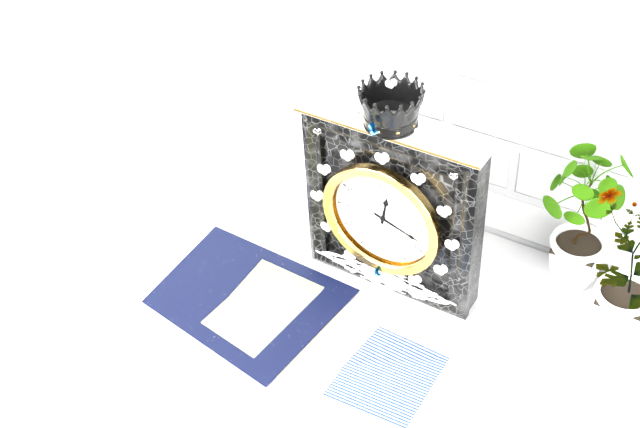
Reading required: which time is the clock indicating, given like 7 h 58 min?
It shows 12 h 18 min
